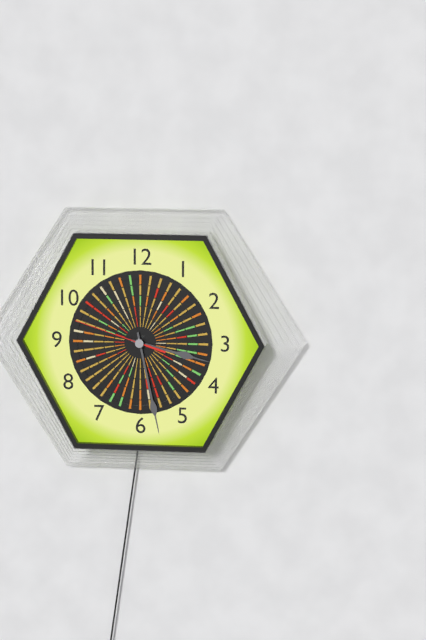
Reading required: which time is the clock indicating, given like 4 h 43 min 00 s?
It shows 3 h 28 min 48 s
